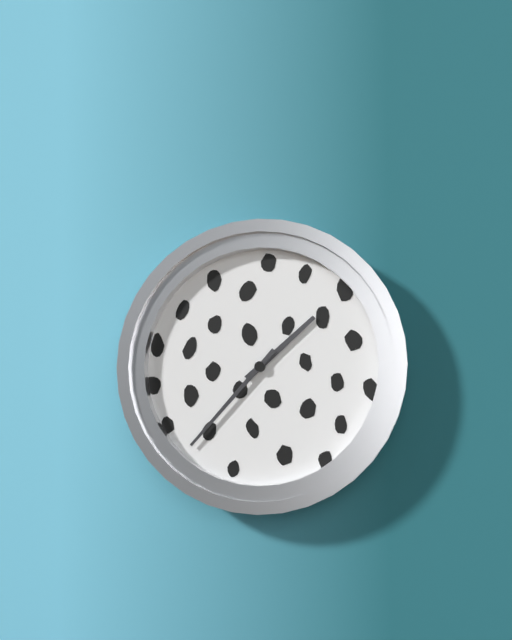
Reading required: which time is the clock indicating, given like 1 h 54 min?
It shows 1 h 37 min
